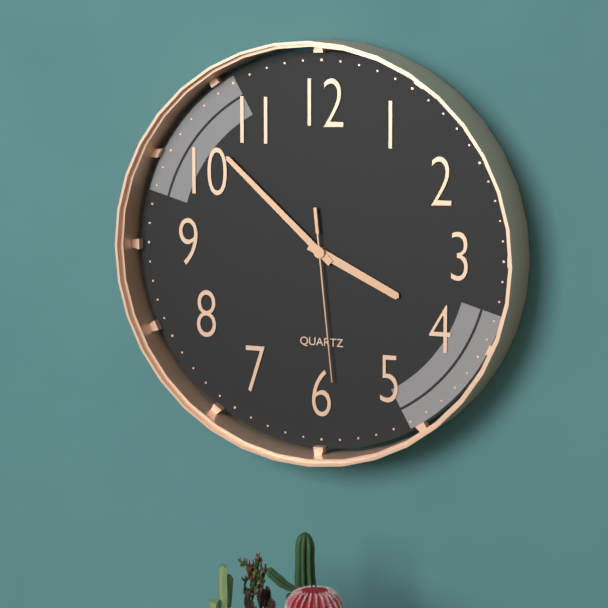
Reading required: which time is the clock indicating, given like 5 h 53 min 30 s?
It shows 3 h 52 min 29 s
